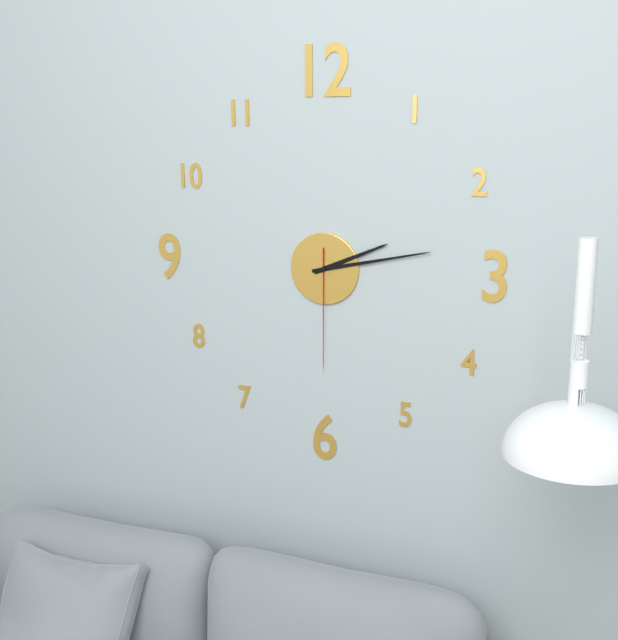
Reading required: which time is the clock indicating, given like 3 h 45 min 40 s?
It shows 2 h 13 min 30 s
